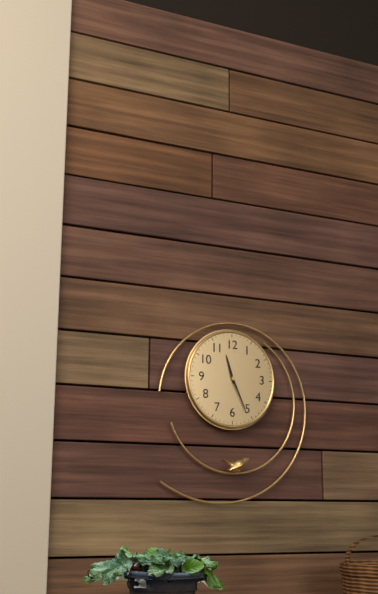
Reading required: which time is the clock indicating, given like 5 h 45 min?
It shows 11 h 26 min
